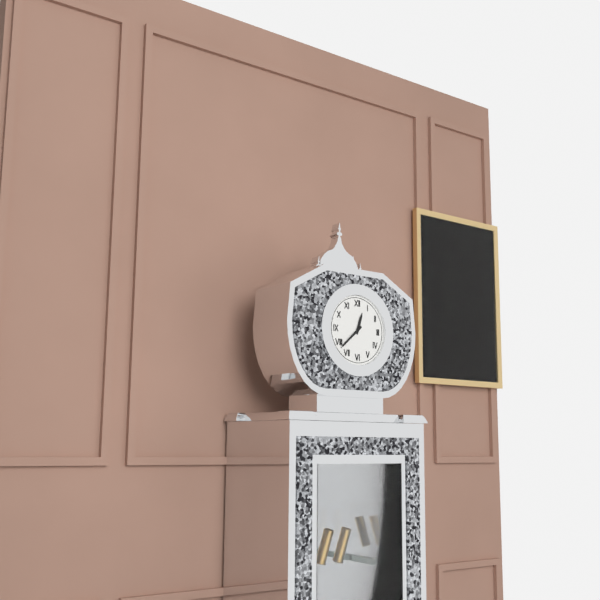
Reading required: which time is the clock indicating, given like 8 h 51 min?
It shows 12 h 38 min
